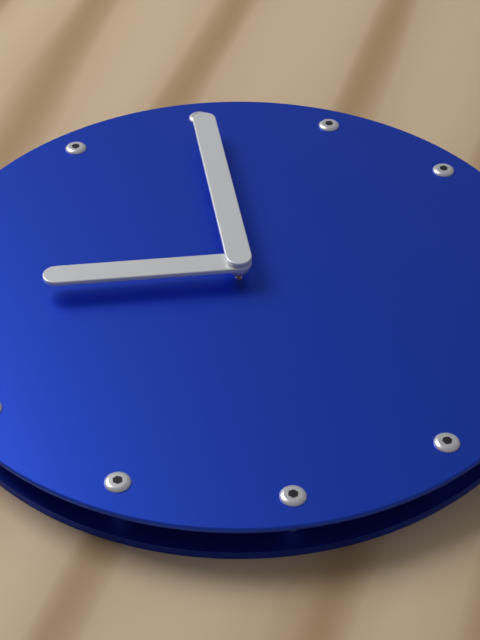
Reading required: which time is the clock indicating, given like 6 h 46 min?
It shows 10 h 05 min
